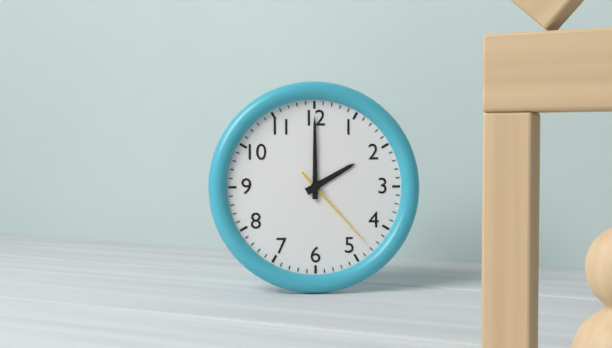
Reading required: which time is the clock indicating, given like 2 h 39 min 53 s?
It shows 2 h 00 min 23 s
